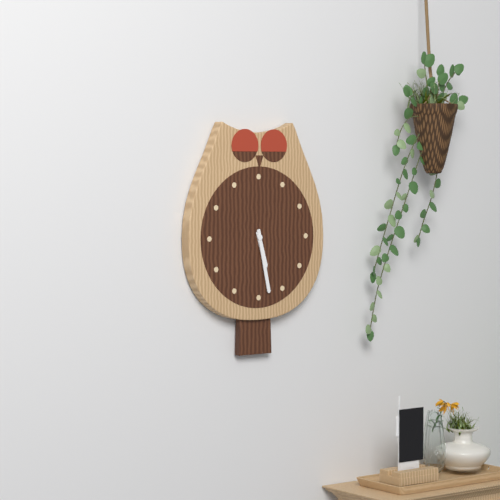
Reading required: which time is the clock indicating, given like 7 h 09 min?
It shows 5 h 28 min
